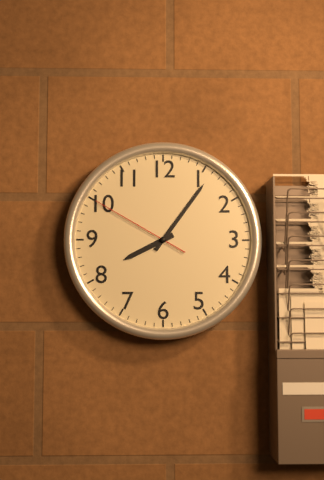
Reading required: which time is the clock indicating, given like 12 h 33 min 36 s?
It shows 8 h 06 min 50 s
